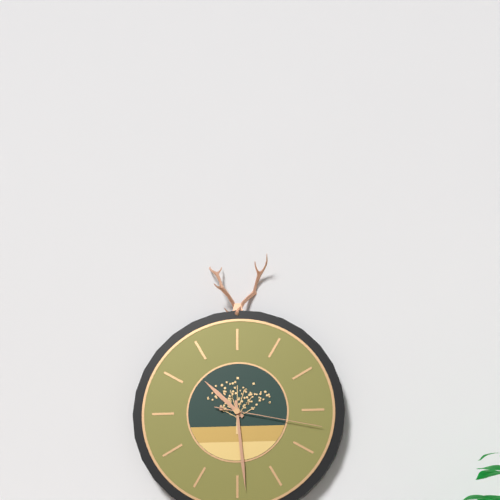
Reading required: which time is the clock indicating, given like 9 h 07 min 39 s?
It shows 10 h 29 min 17 s
